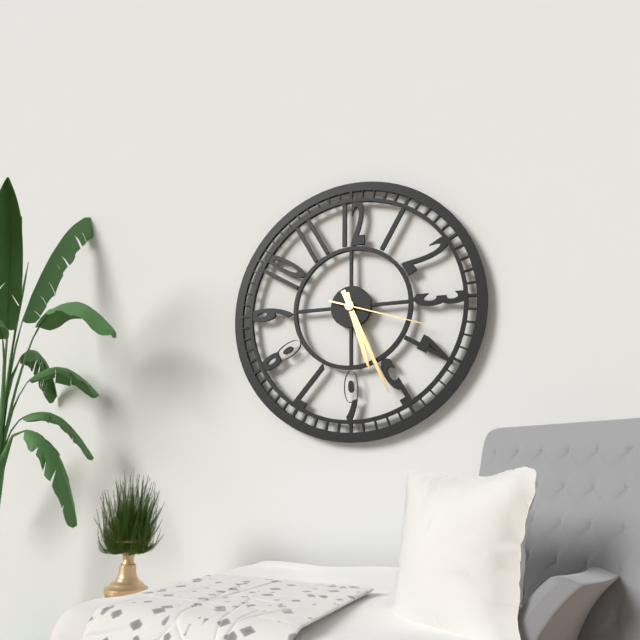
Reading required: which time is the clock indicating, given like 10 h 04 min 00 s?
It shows 5 h 26 min 18 s
